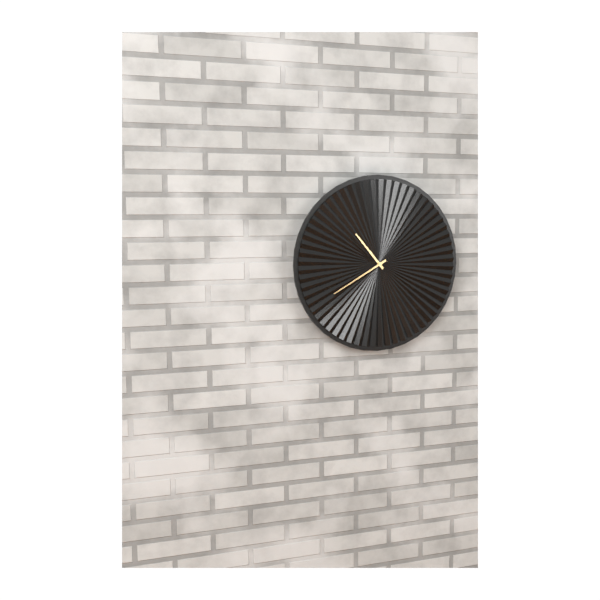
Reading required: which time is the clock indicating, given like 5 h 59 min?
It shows 10 h 40 min
